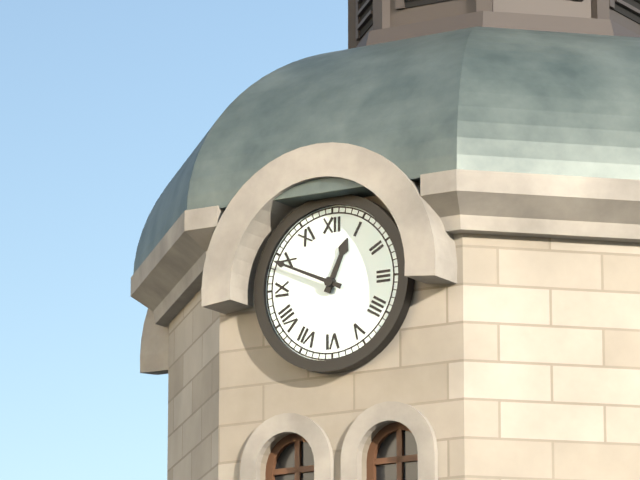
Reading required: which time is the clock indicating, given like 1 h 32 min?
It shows 12 h 49 min
